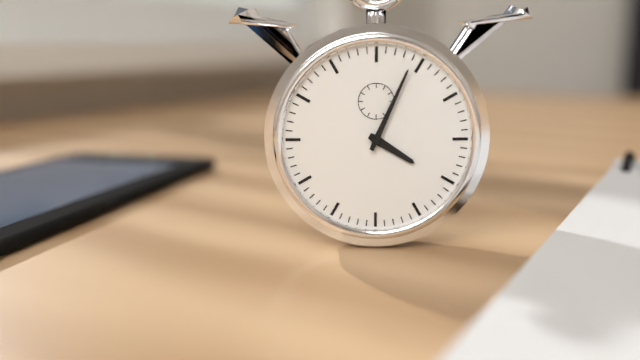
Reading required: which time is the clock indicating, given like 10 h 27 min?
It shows 4 h 04 min
